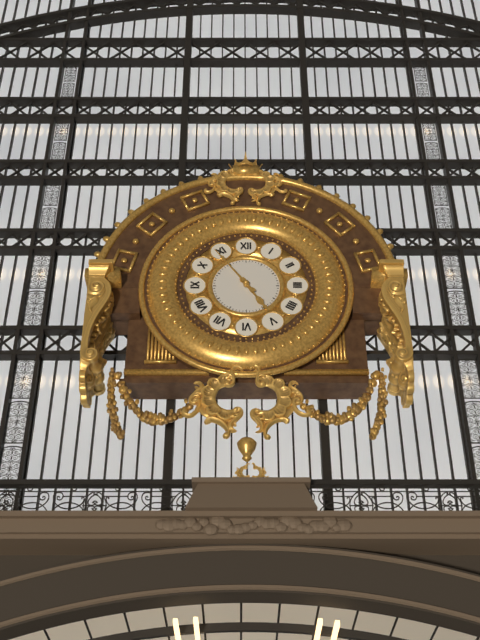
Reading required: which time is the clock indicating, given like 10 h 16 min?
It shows 4 h 54 min
